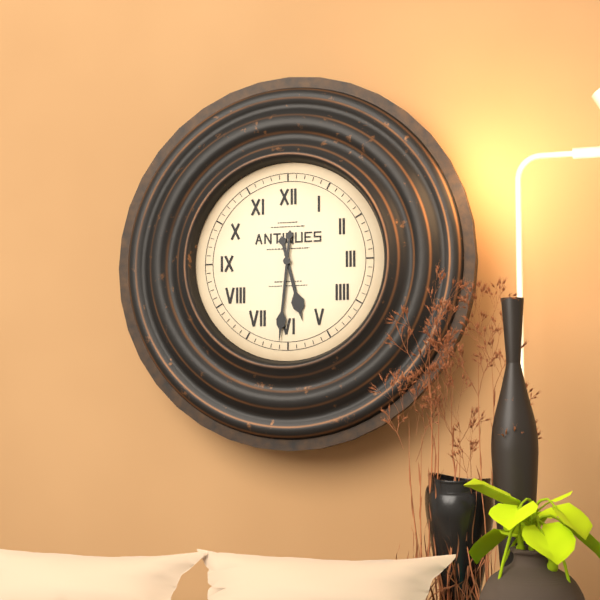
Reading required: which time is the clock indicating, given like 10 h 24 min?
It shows 5 h 31 min
